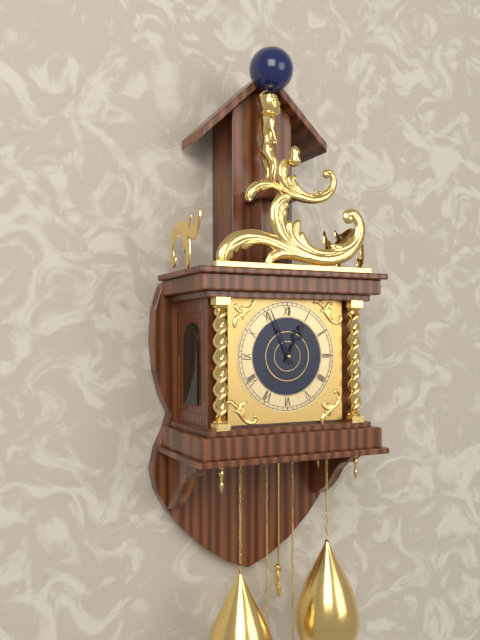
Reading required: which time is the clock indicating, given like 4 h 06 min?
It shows 12 h 56 min
